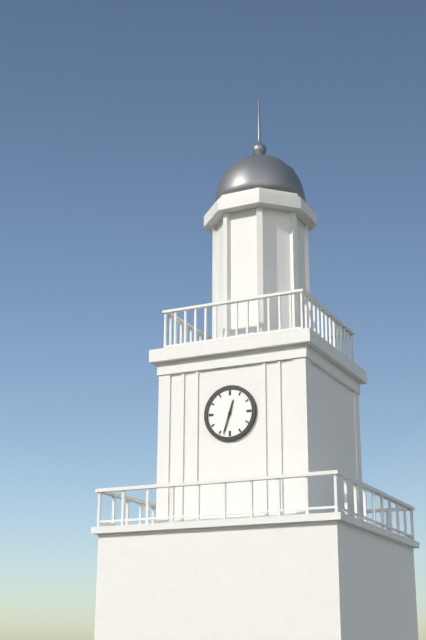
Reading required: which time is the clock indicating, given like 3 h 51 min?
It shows 12 h 33 min
